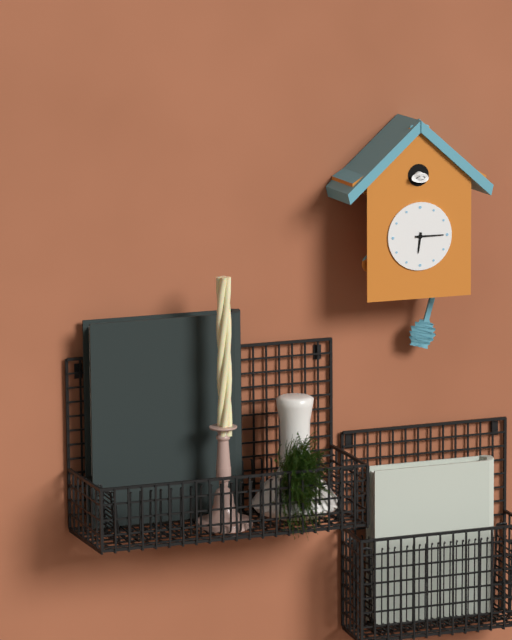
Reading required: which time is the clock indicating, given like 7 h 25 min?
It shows 6 h 15 min
